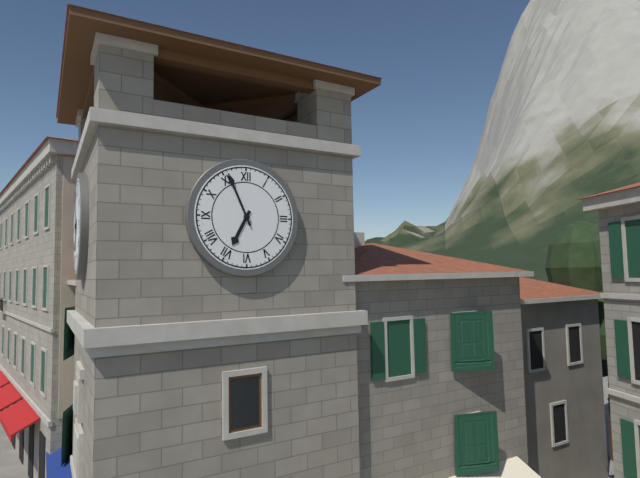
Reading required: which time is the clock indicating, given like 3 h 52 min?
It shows 6 h 56 min
